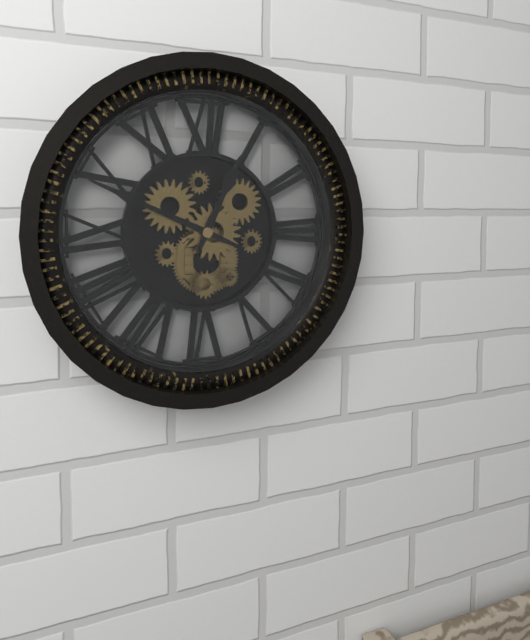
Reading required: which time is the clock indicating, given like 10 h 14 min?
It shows 12 h 49 min
